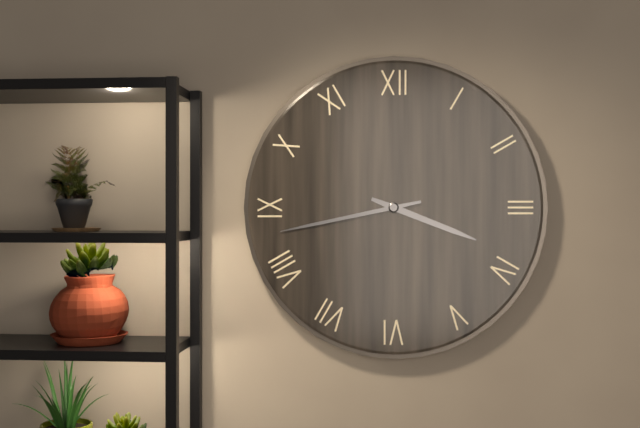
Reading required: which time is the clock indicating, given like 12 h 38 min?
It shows 3 h 43 min
